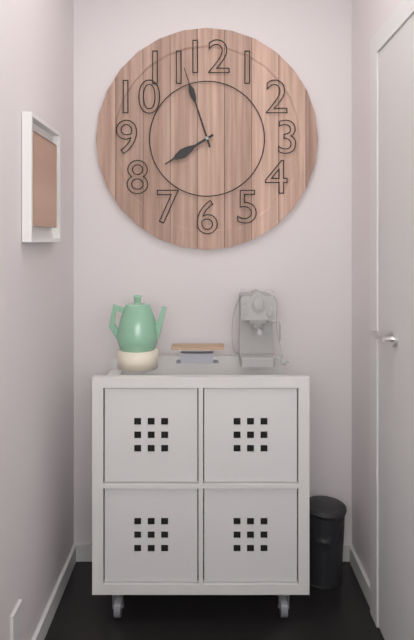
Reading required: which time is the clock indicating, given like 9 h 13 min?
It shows 7 h 57 min
